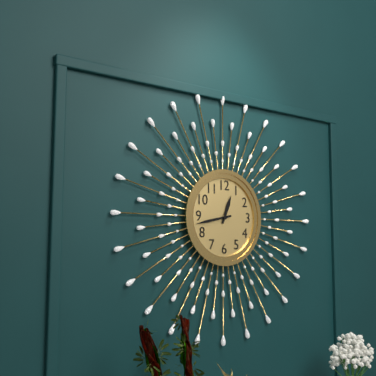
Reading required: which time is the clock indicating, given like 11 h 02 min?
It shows 12 h 43 min
